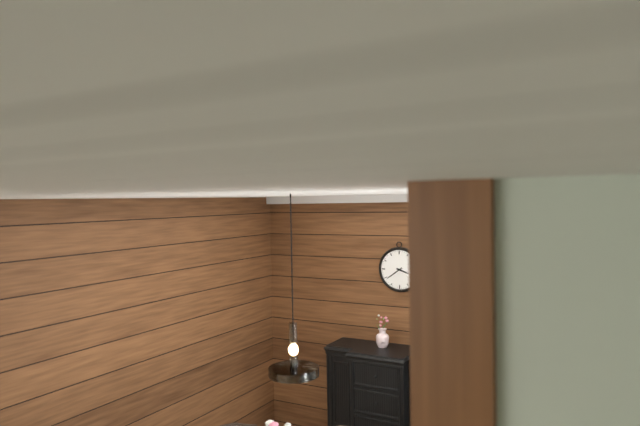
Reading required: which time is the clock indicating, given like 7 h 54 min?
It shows 3 h 39 min
